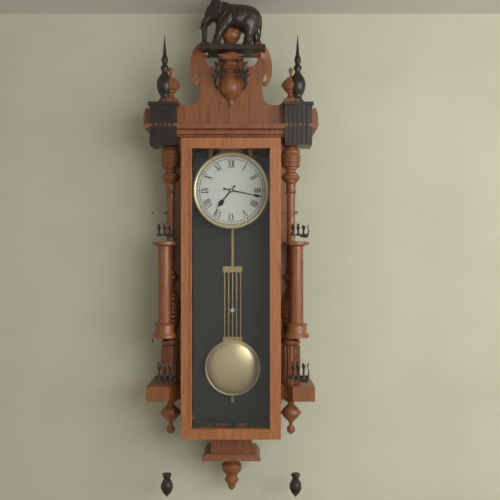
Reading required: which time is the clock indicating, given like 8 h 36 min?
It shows 7 h 17 min
